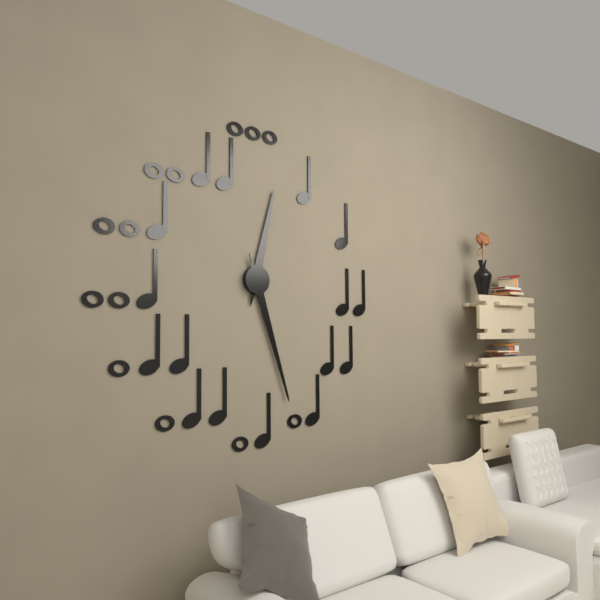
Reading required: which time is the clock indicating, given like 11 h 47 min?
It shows 12 h 27 min
